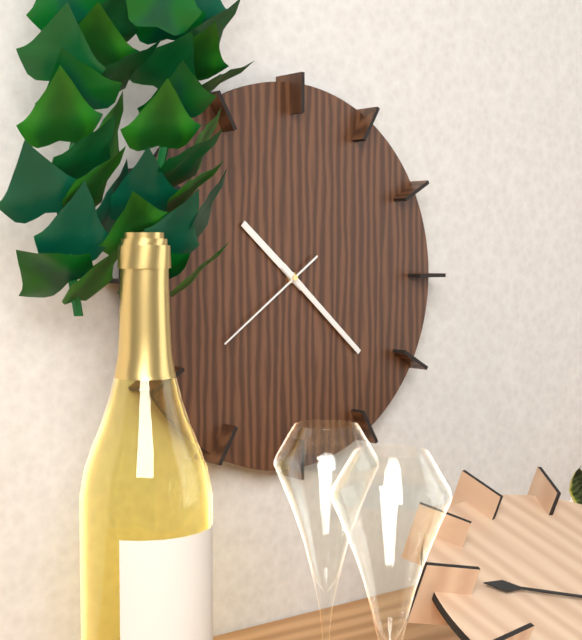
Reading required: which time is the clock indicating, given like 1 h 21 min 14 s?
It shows 10 h 22 min 39 s
